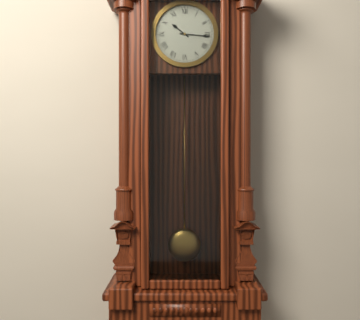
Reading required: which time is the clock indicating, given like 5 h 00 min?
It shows 10 h 16 min
